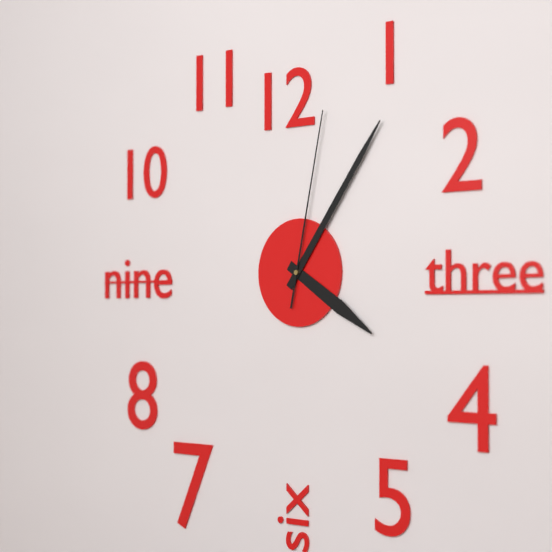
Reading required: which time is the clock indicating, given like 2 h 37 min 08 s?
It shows 4 h 06 min 02 s
